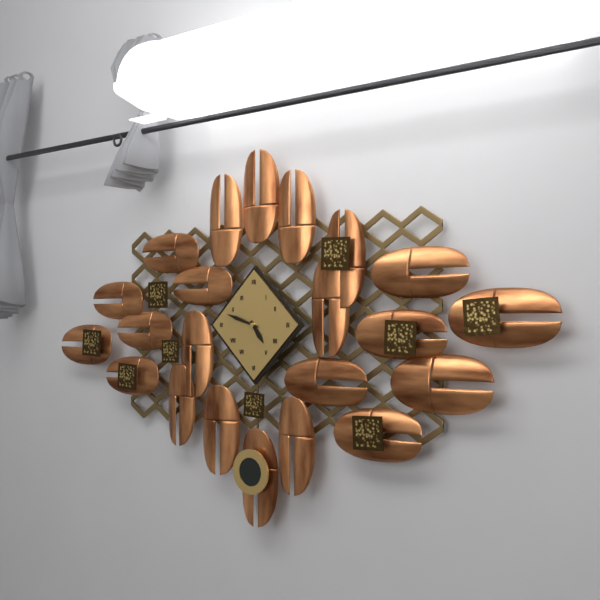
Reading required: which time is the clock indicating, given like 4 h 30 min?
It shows 4 h 48 min
